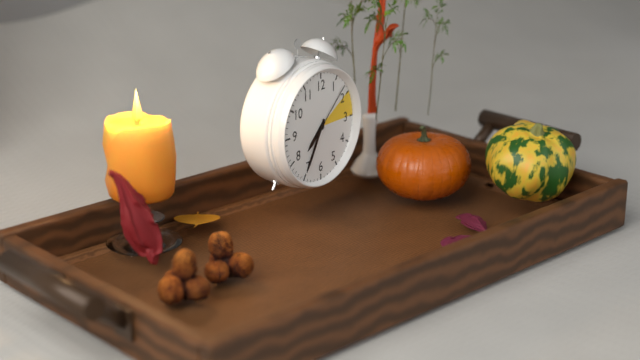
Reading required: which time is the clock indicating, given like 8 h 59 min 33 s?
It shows 7 h 35 min 08 s
